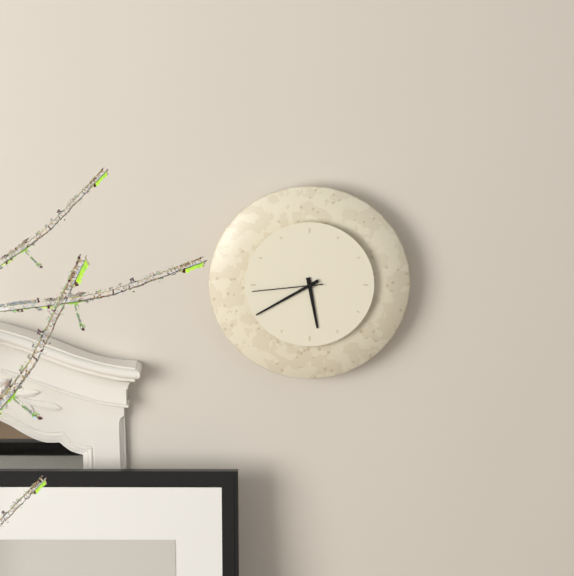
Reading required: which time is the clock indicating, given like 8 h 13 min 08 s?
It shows 5 h 40 min 44 s
